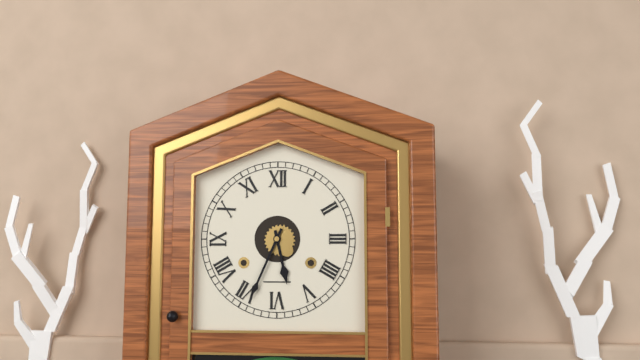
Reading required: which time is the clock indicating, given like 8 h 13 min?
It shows 5 h 34 min
